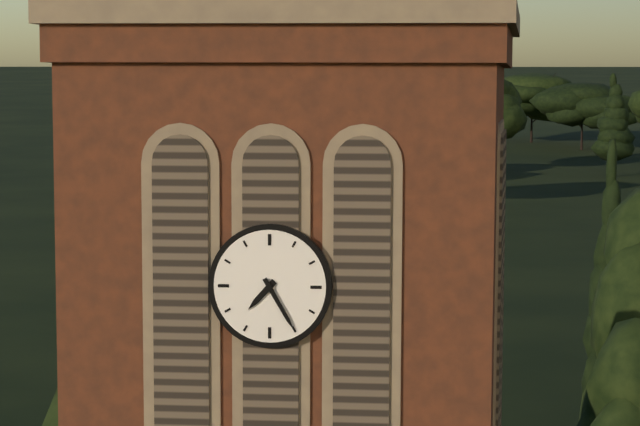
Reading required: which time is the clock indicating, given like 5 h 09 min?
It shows 7 h 25 min
